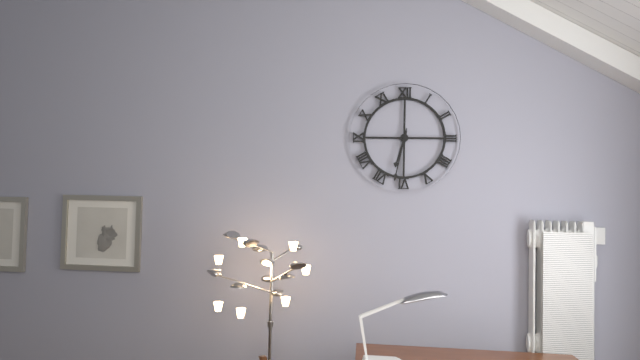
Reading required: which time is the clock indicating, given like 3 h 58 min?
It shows 6 h 32 min
